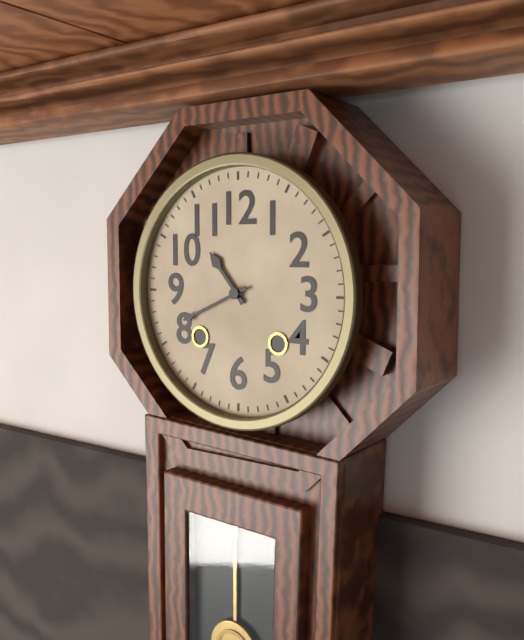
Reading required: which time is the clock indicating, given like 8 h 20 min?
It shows 10 h 41 min
